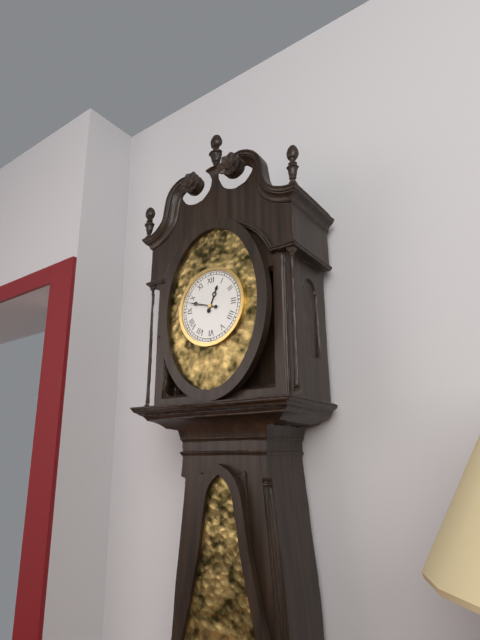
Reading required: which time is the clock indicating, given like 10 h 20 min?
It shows 12 h 48 min
